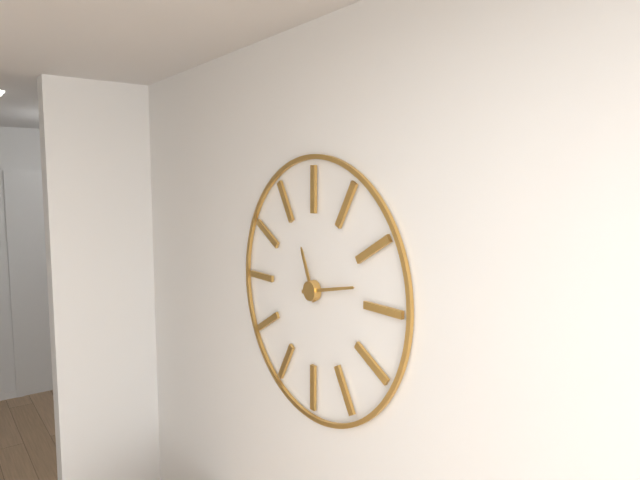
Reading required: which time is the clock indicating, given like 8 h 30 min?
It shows 11 h 13 min
